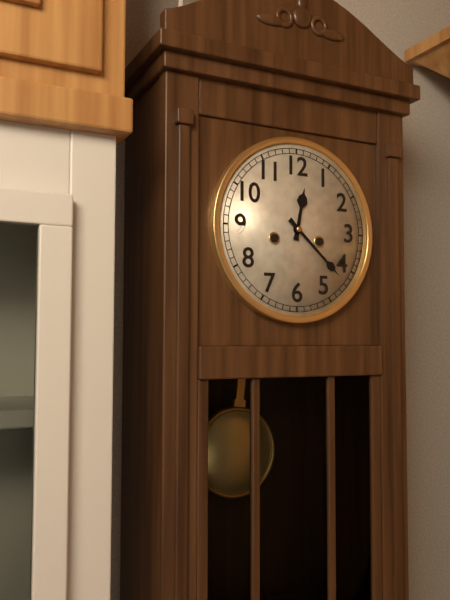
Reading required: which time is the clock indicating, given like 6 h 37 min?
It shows 12 h 22 min
